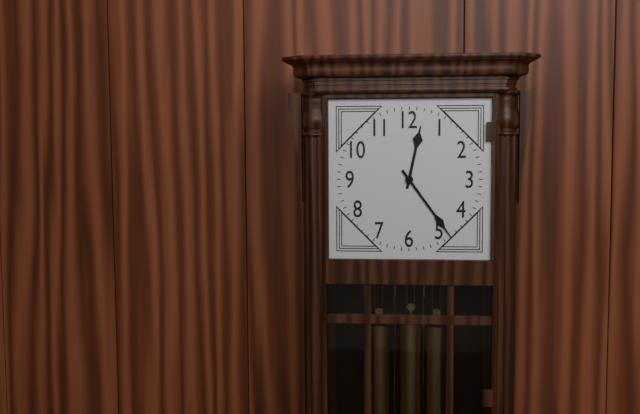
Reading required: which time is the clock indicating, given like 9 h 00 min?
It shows 12 h 24 min
